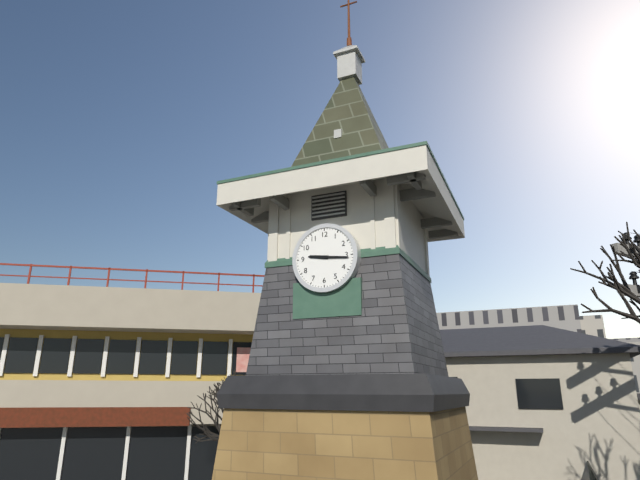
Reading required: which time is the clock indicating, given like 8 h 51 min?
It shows 9 h 16 min
